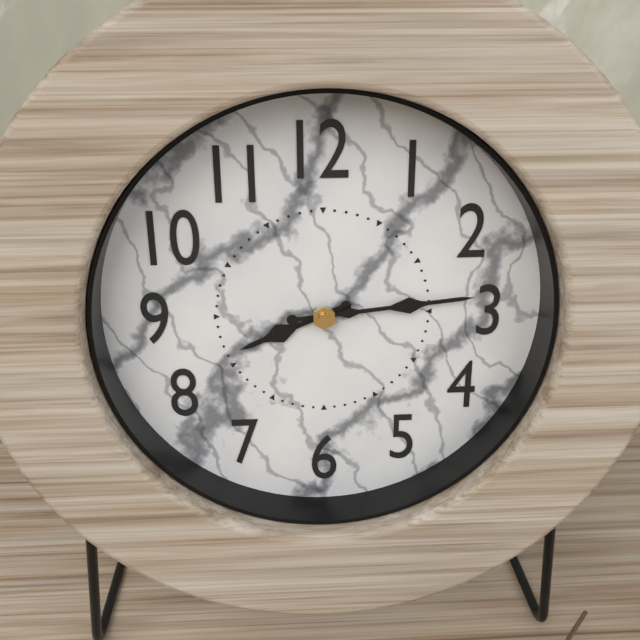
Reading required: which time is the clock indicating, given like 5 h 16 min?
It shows 8 h 14 min
